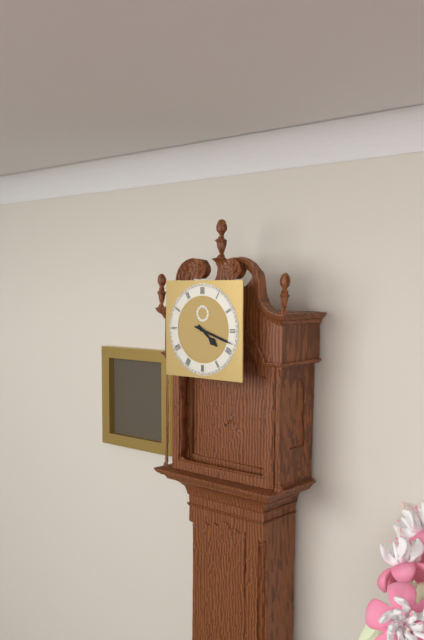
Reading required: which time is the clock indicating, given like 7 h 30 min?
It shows 4 h 18 min
